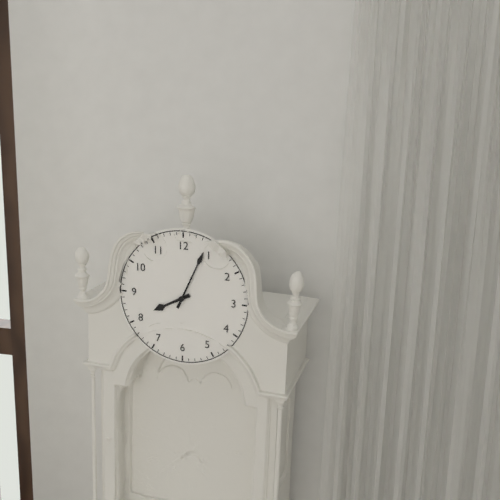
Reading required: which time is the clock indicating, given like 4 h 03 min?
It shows 8 h 04 min
